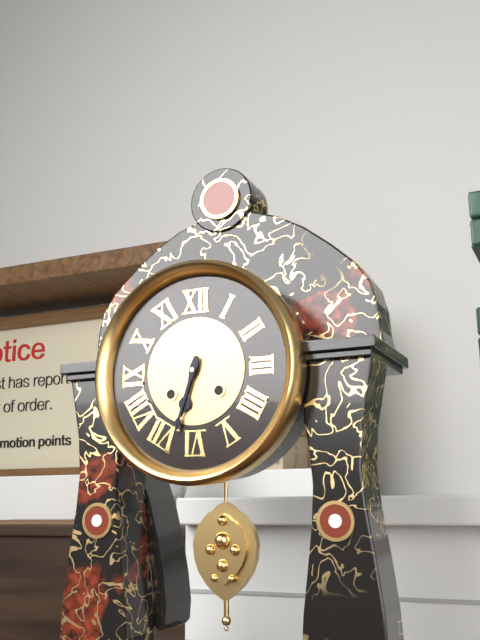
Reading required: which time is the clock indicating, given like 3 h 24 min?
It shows 6 h 33 min
